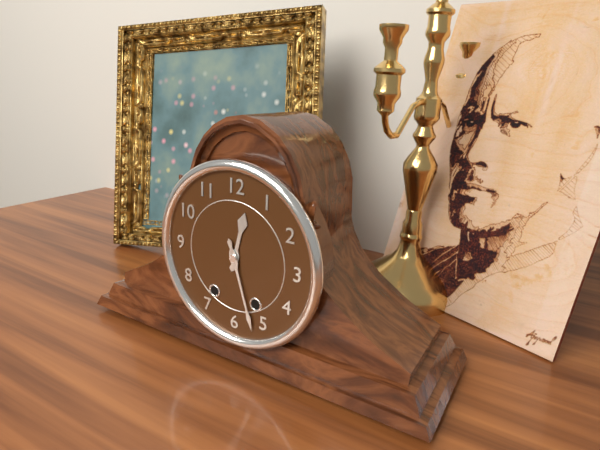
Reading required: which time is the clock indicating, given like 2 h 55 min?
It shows 12 h 27 min
